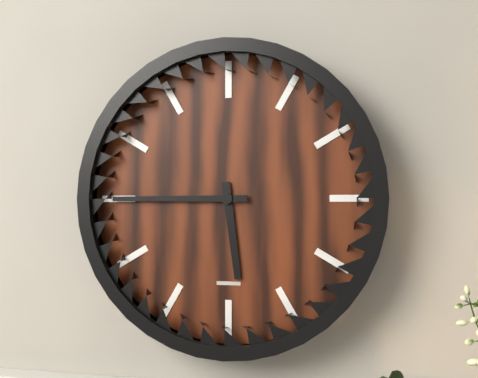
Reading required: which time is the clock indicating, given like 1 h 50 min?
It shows 5 h 45 min
